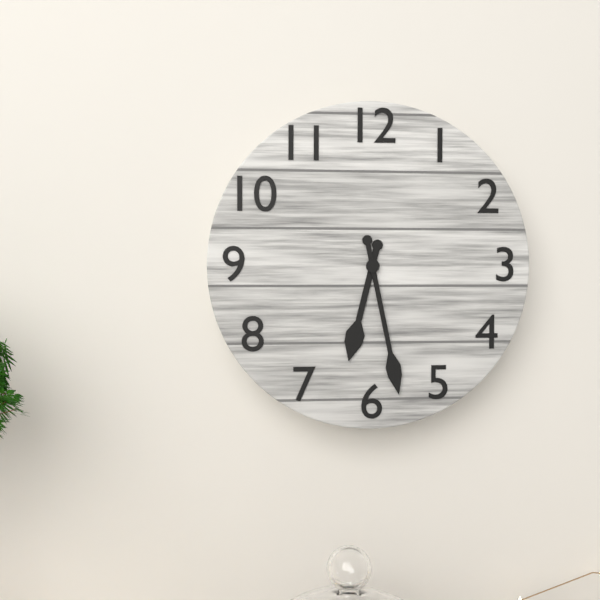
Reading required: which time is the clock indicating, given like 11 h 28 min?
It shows 6 h 28 min
